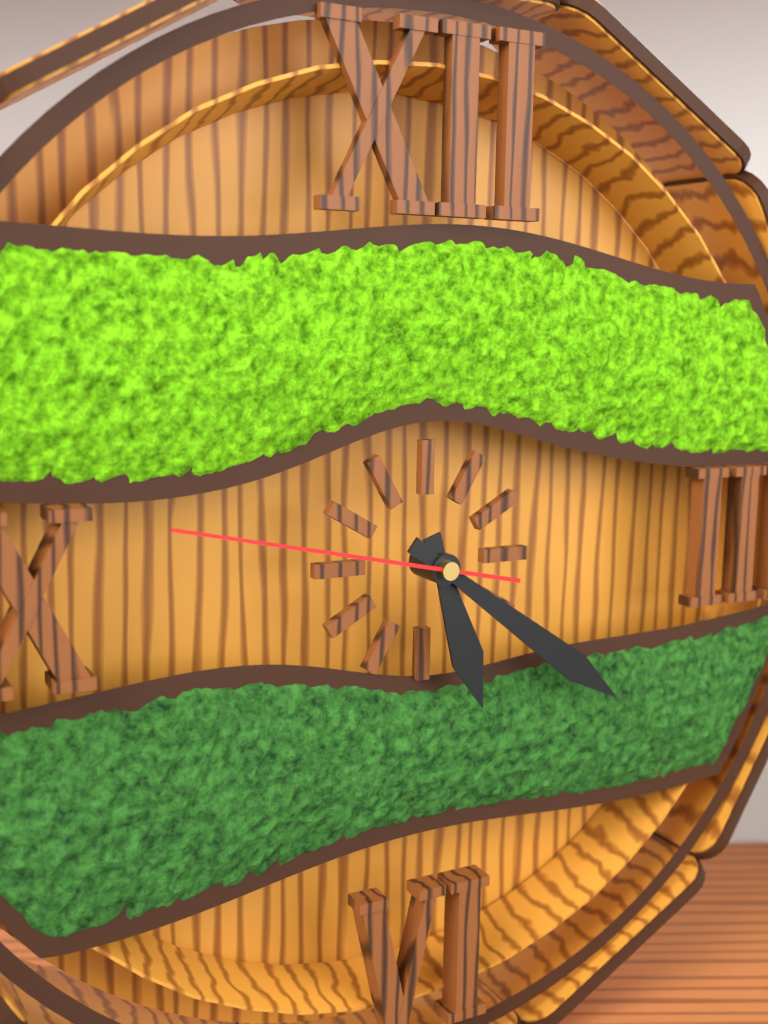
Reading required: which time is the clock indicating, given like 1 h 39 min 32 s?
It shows 5 h 21 min 47 s
